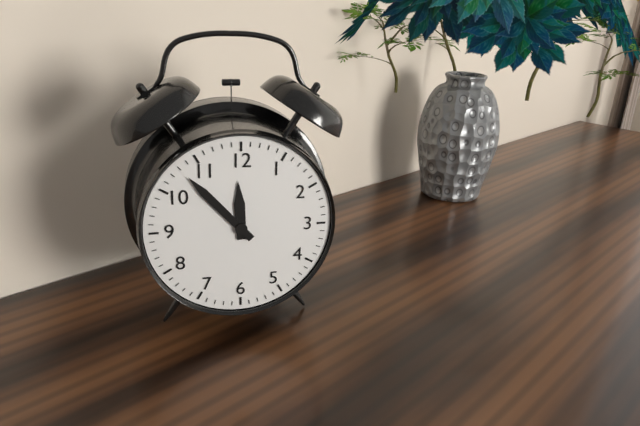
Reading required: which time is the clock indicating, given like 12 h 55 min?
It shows 11 h 53 min
